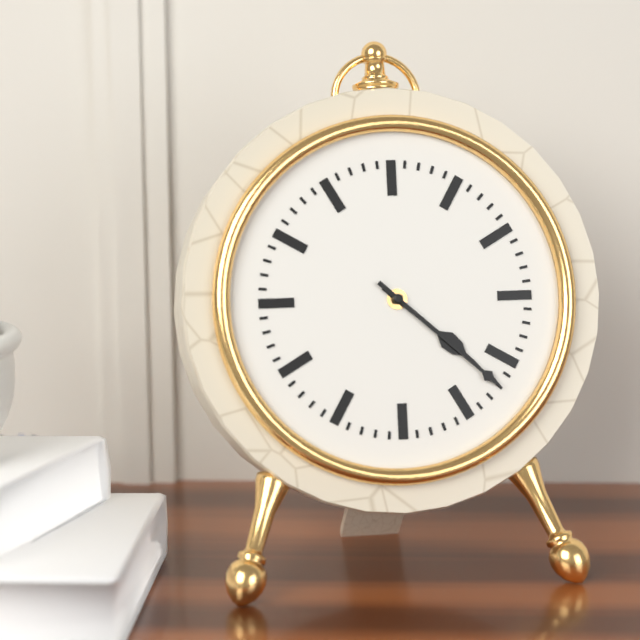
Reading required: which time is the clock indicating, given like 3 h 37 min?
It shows 4 h 22 min
